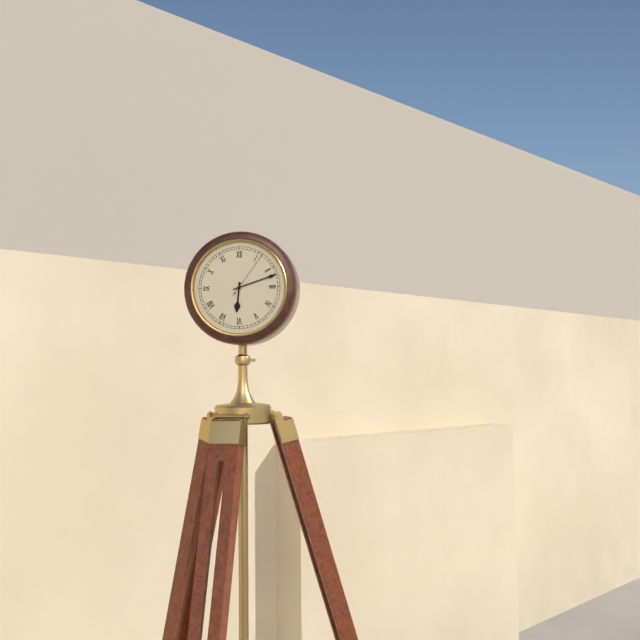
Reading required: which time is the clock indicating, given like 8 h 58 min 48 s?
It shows 6 h 12 min 06 s
